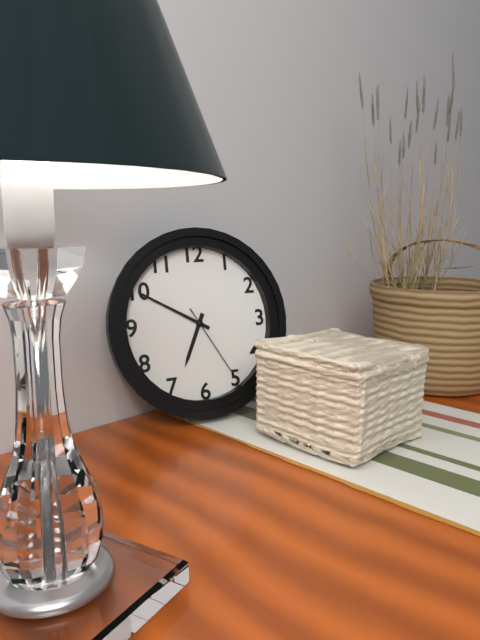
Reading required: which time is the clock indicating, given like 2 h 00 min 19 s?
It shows 6 h 50 min 25 s
